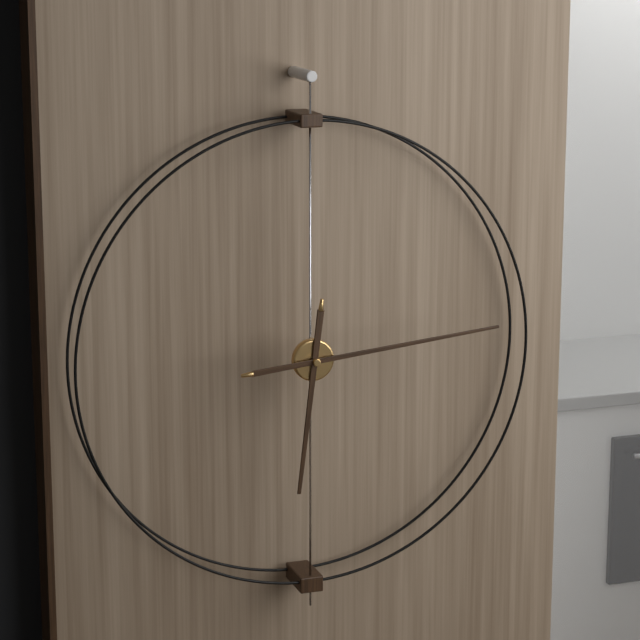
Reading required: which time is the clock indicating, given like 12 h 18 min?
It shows 6 h 14 min
